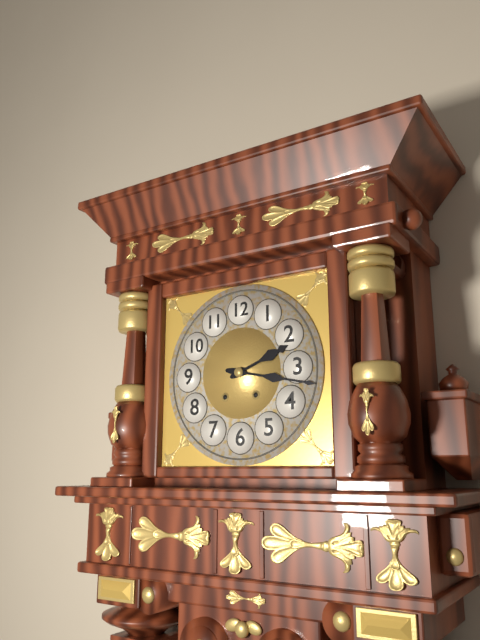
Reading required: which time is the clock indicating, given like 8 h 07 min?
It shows 2 h 17 min
